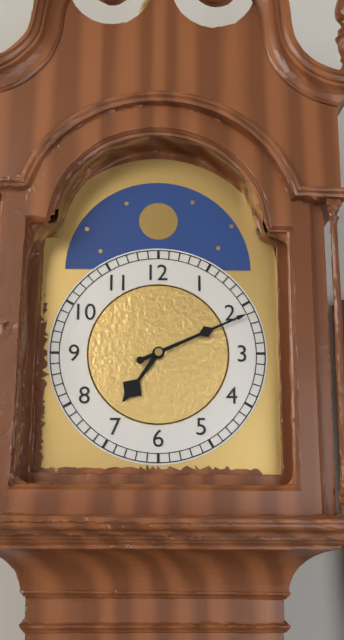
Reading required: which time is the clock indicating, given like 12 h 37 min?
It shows 7 h 11 min
